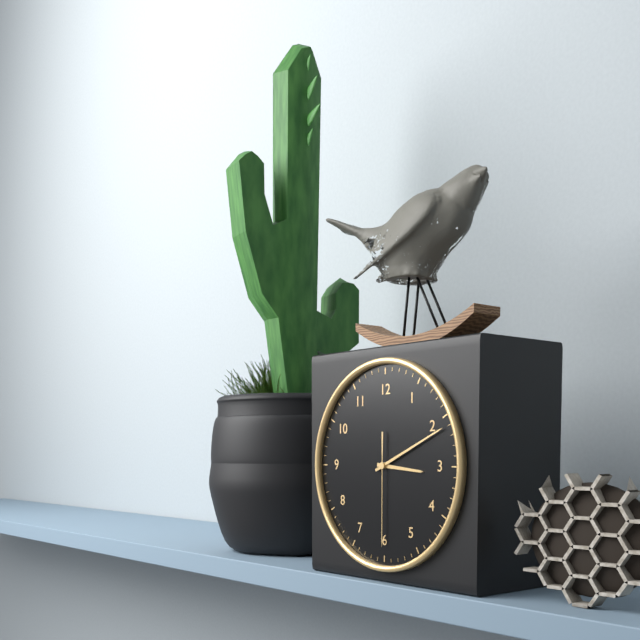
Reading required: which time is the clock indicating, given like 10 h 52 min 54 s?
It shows 3 h 11 min 30 s
